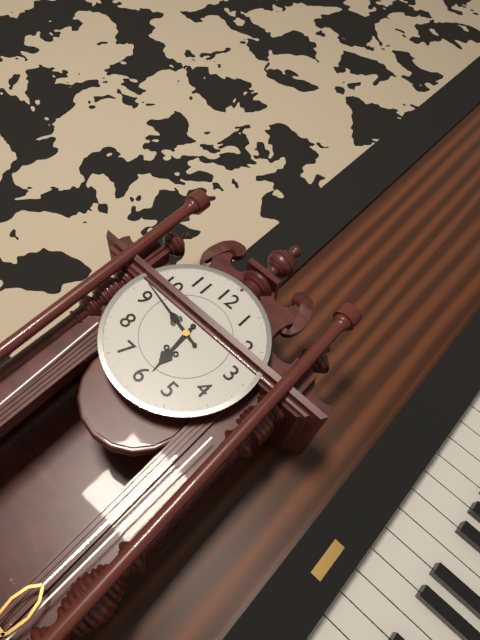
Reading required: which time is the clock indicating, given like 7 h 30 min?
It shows 5 h 47 min
